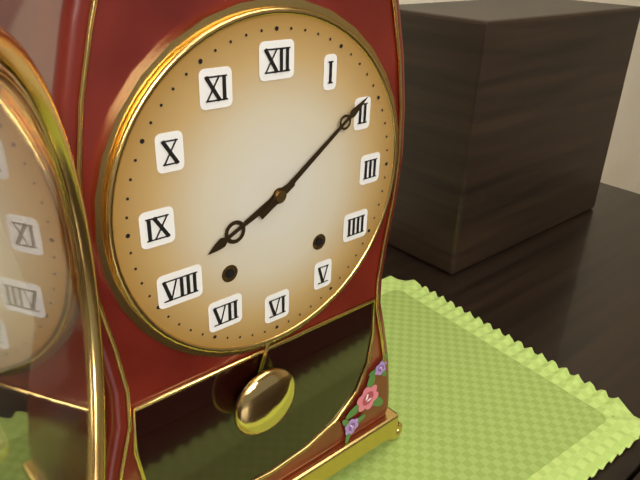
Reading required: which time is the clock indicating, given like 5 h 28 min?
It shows 8 h 09 min
